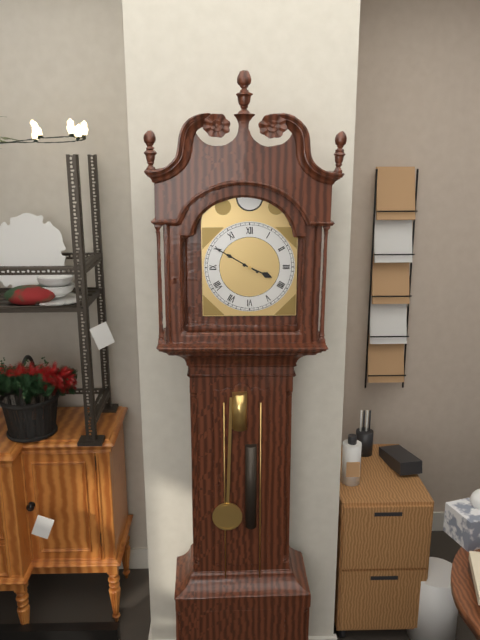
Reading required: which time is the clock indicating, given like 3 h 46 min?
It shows 3 h 50 min
